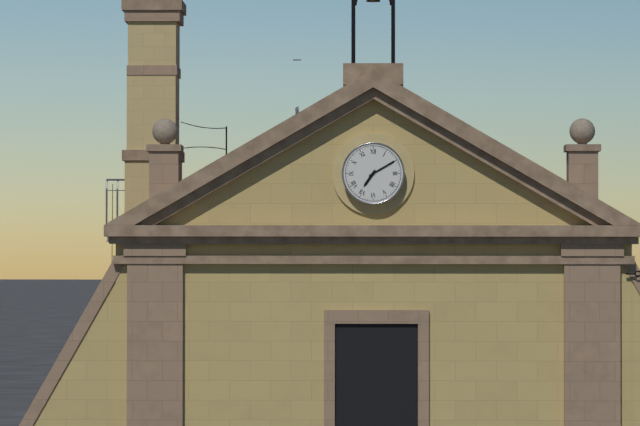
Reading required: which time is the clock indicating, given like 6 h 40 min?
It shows 7 h 10 min
